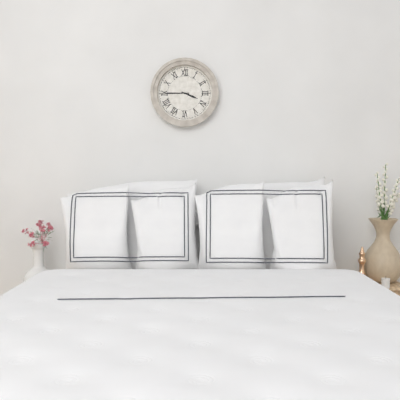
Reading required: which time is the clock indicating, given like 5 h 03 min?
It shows 3 h 45 min
